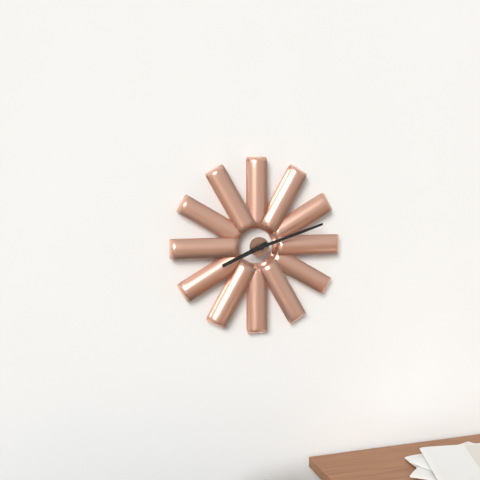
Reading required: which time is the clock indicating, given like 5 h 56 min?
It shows 8 h 12 min
